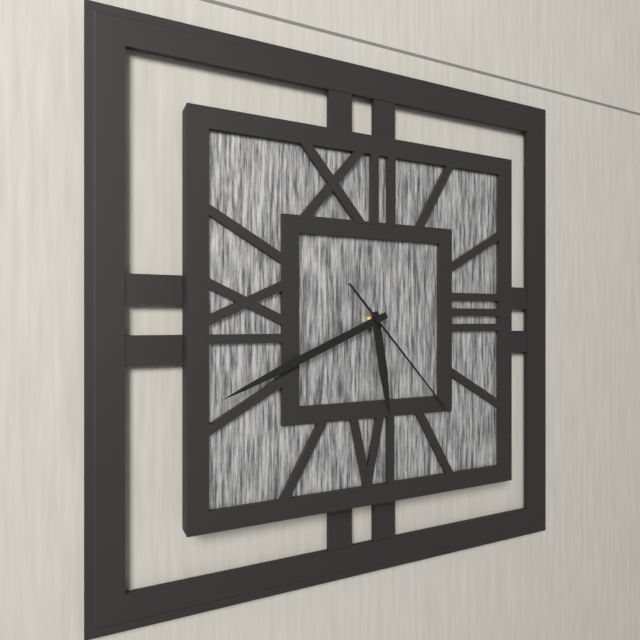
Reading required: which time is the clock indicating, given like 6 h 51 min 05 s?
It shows 5 h 41 min 23 s
